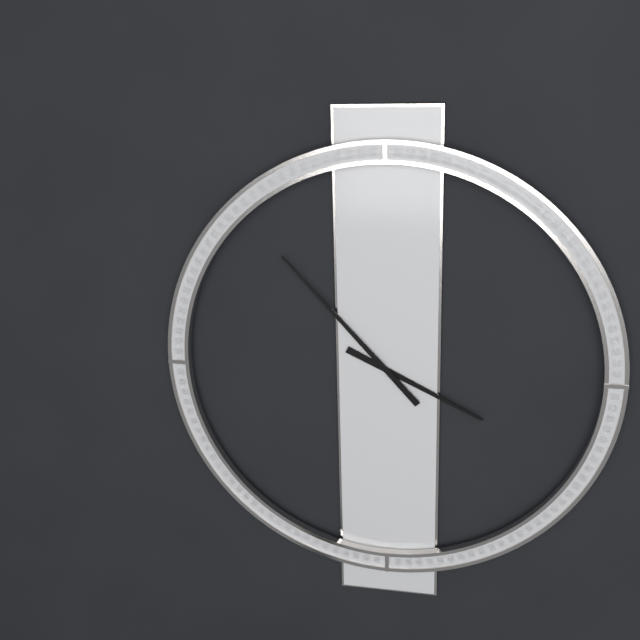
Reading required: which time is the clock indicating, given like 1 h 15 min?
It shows 3 h 53 min
